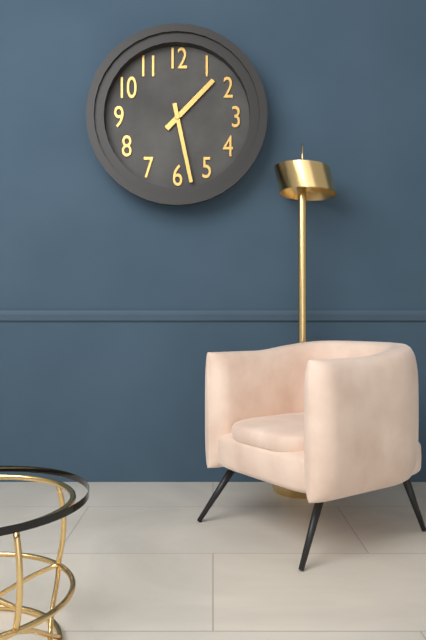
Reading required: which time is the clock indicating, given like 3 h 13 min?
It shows 1 h 28 min
